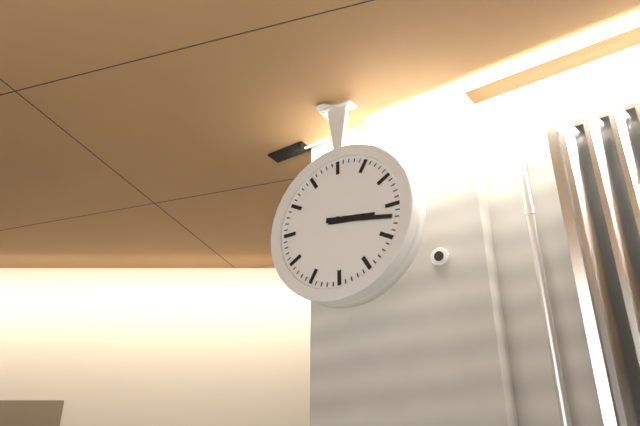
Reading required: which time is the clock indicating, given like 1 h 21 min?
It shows 3 h 17 min
